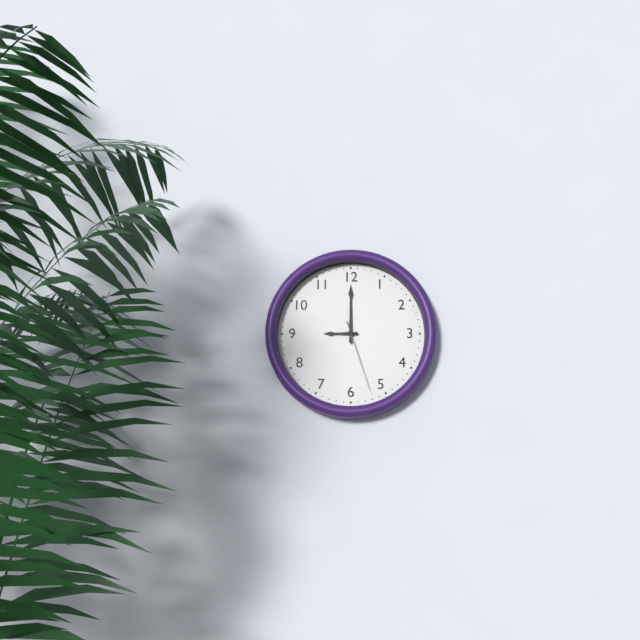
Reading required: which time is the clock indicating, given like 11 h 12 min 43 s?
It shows 9 h 00 min 27 s
